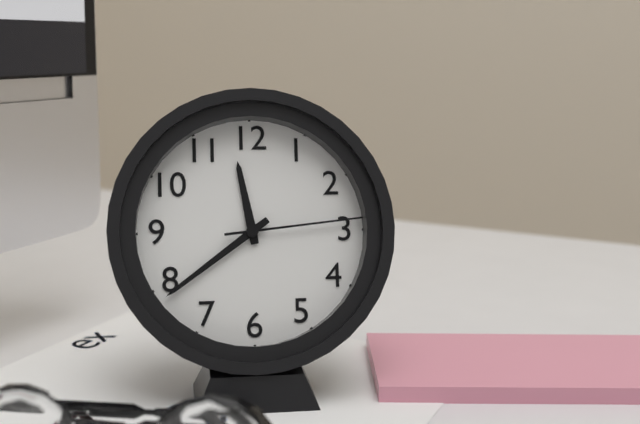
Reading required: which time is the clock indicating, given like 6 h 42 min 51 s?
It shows 11 h 39 min 14 s
